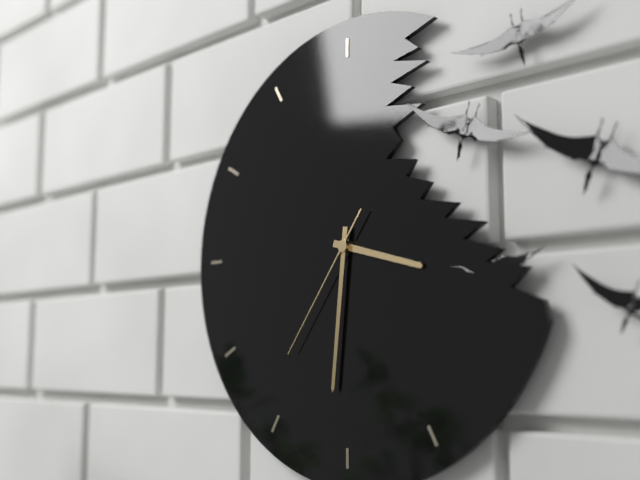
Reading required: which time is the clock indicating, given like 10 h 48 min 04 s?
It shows 3 h 31 min 36 s
